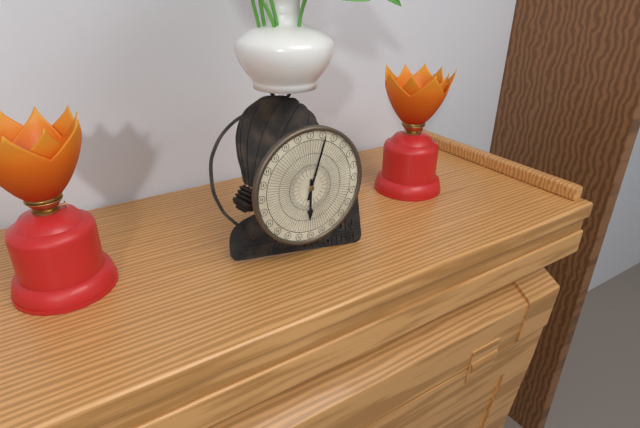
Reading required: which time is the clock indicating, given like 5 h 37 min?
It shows 6 h 03 min
